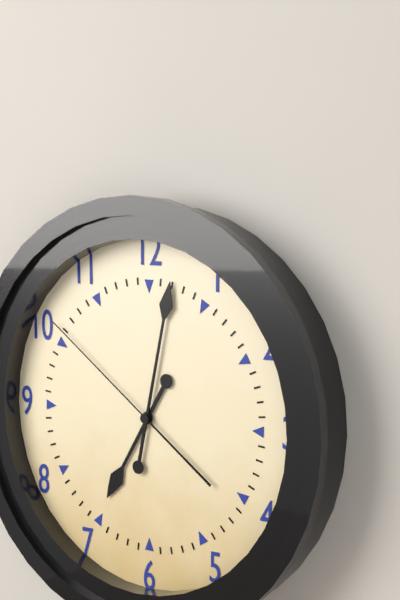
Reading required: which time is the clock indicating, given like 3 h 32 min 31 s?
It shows 7 h 02 min 51 s
